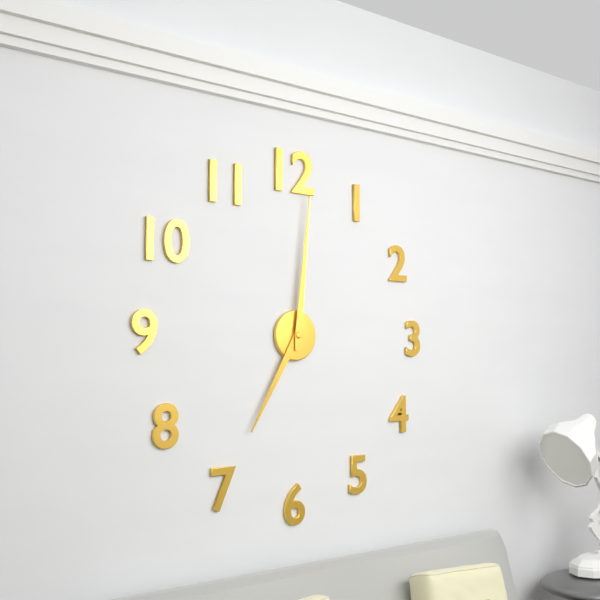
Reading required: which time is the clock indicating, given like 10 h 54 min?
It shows 7 h 01 min
